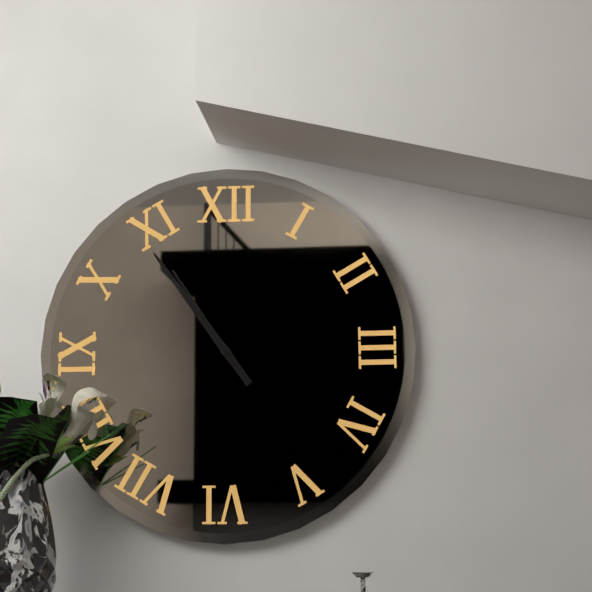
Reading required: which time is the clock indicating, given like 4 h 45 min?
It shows 10 h 54 min
